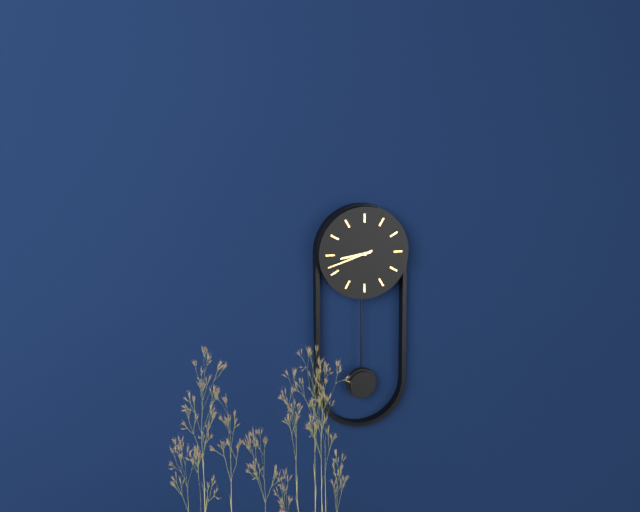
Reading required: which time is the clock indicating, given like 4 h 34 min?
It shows 8 h 42 min
